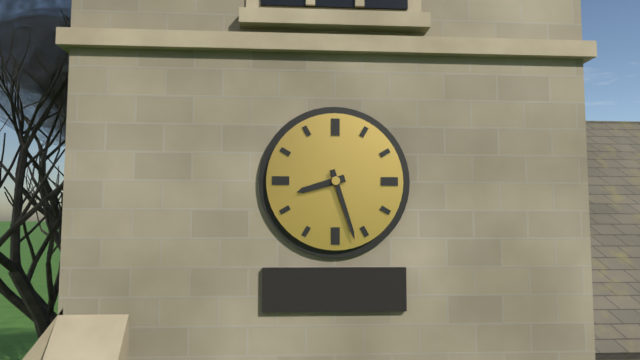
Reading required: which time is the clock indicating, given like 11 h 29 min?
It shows 8 h 27 min
